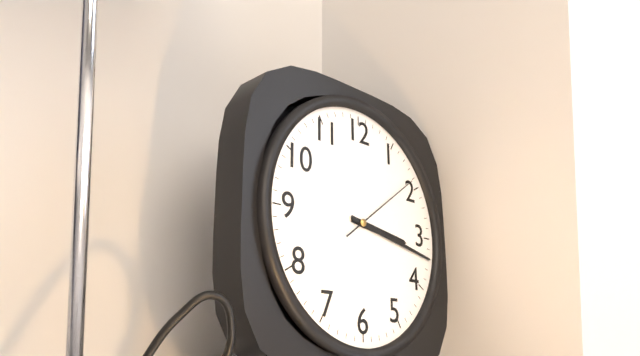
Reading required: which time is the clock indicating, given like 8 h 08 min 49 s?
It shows 3 h 17 min 09 s
